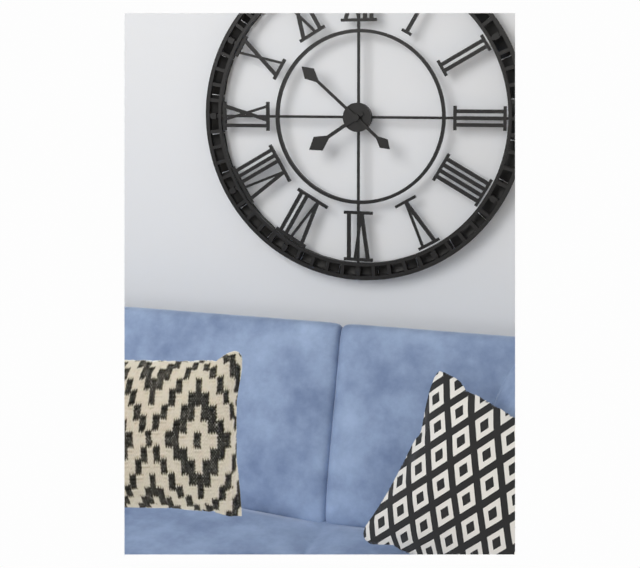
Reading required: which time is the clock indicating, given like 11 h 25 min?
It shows 7 h 52 min
